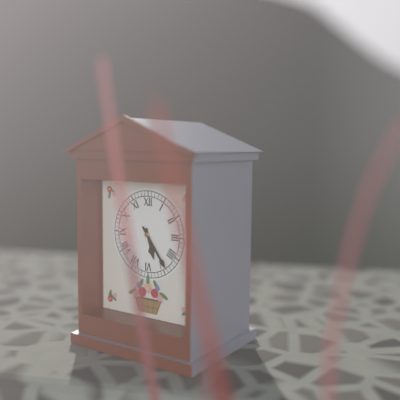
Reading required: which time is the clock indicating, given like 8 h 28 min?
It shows 5 h 24 min
